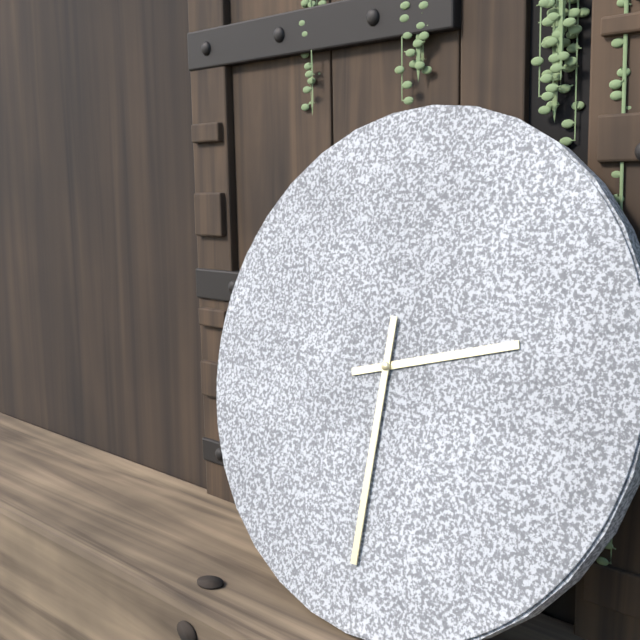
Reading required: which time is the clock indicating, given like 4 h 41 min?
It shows 2 h 30 min
